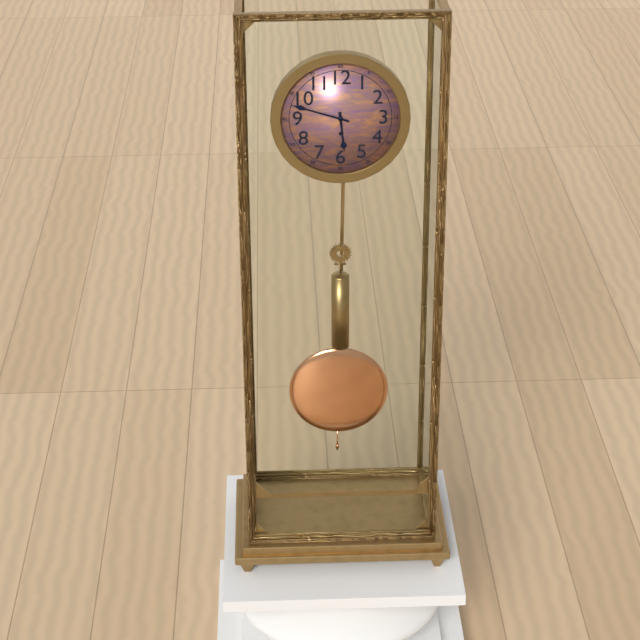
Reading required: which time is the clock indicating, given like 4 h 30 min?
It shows 5 h 48 min
